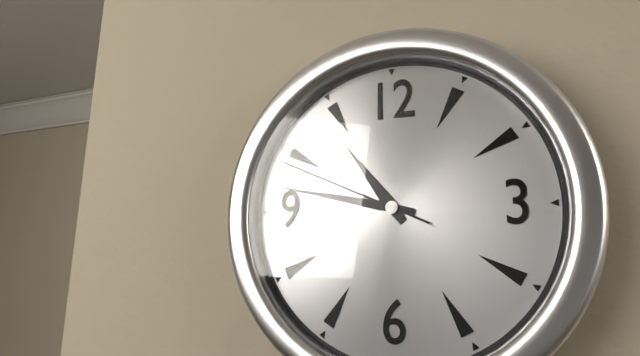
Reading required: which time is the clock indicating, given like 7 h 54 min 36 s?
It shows 10 h 47 min 49 s
